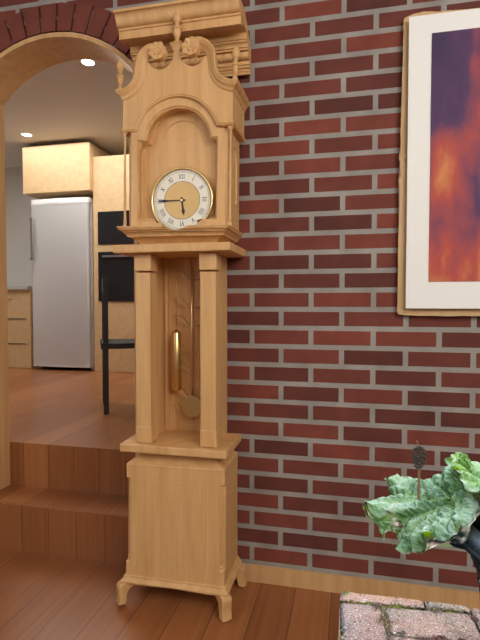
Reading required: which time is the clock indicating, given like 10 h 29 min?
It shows 5 h 45 min
